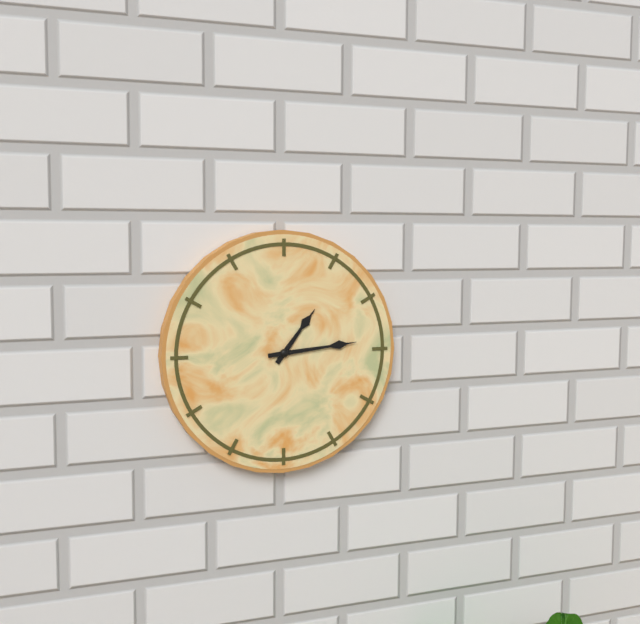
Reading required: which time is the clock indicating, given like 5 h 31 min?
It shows 1 h 14 min
